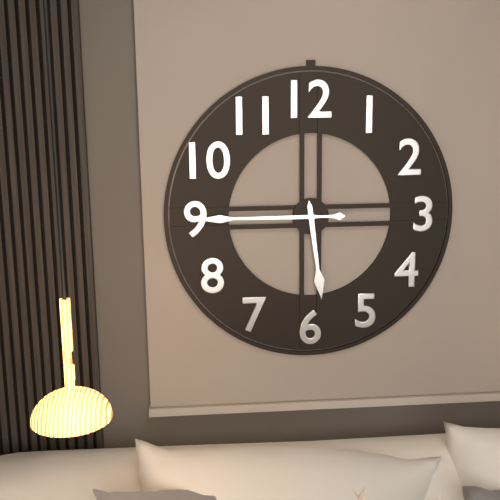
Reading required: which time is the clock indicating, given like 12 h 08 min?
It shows 5 h 45 min
